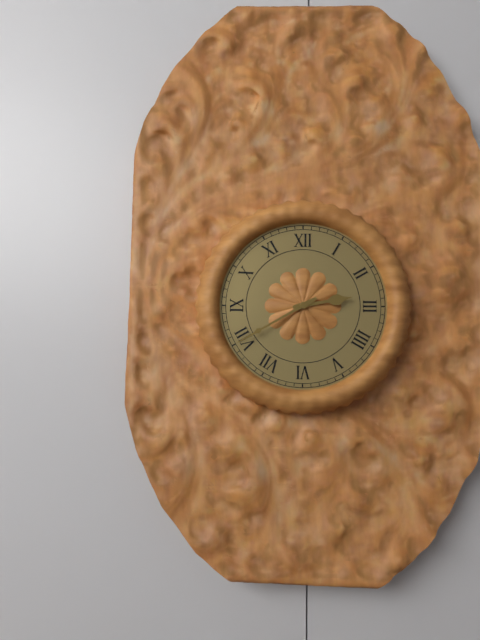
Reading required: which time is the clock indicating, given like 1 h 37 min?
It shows 2 h 40 min
